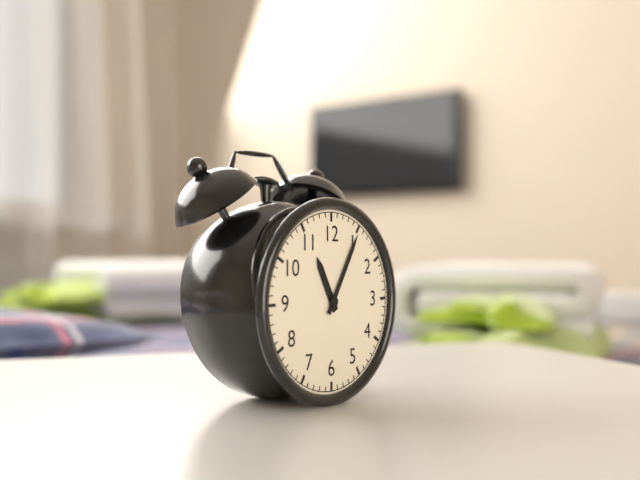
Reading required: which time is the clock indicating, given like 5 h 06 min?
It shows 11 h 05 min
